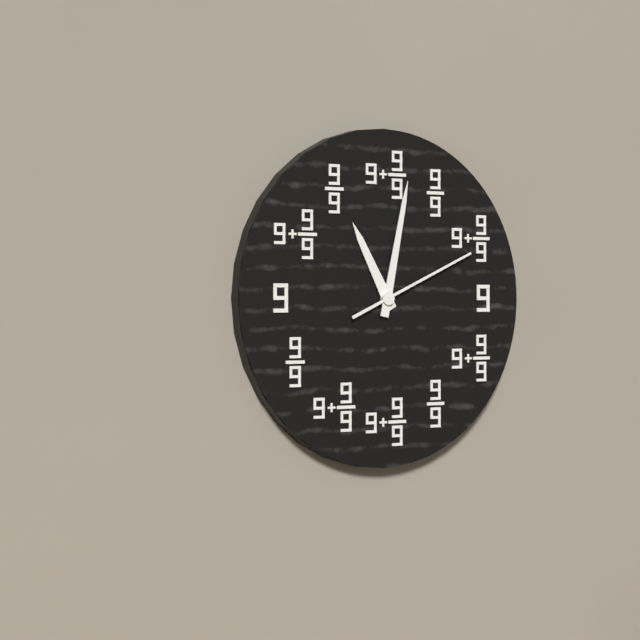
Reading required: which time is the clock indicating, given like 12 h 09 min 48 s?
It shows 11 h 02 min 11 s
